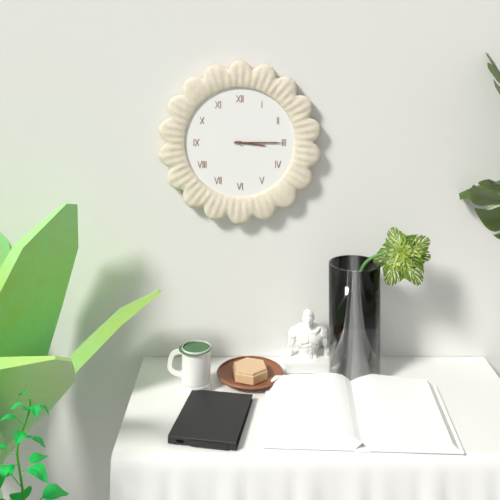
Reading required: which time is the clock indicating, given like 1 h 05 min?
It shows 3 h 15 min
